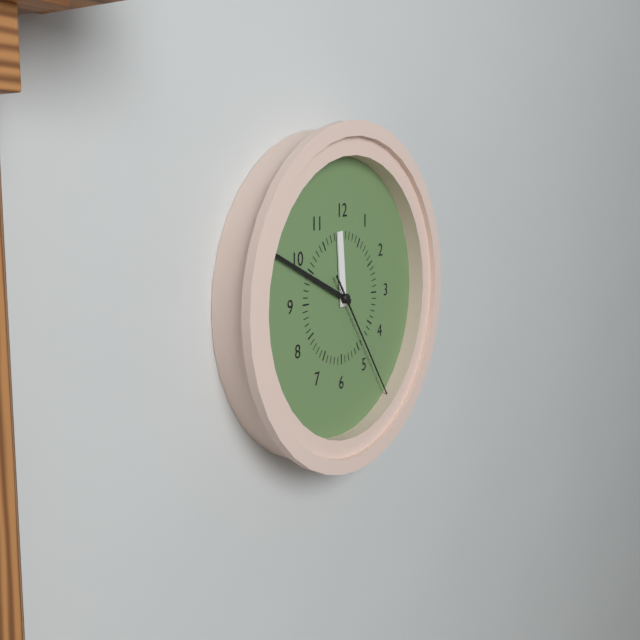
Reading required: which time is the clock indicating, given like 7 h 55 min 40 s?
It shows 11 h 49 min 24 s
